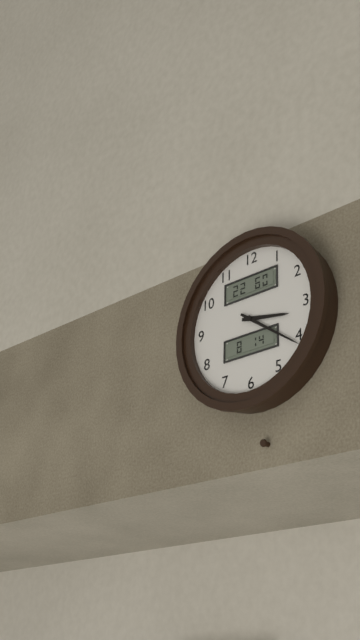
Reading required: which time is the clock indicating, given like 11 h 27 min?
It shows 3 h 21 min
